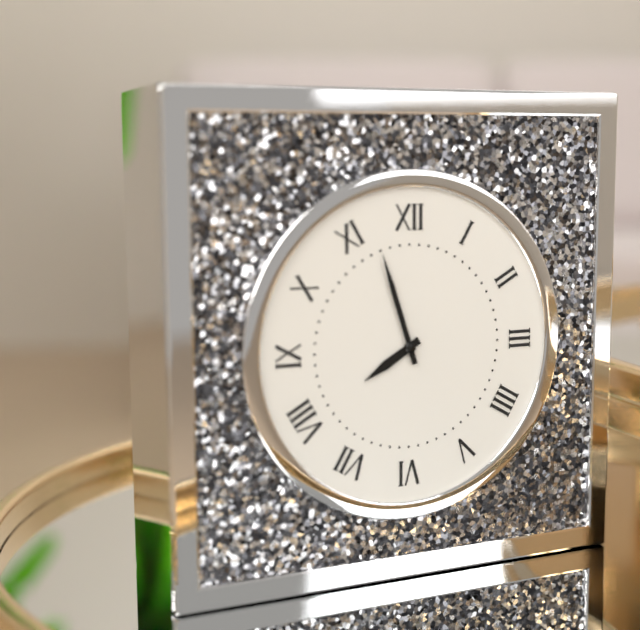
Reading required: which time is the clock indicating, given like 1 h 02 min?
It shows 7 h 57 min
